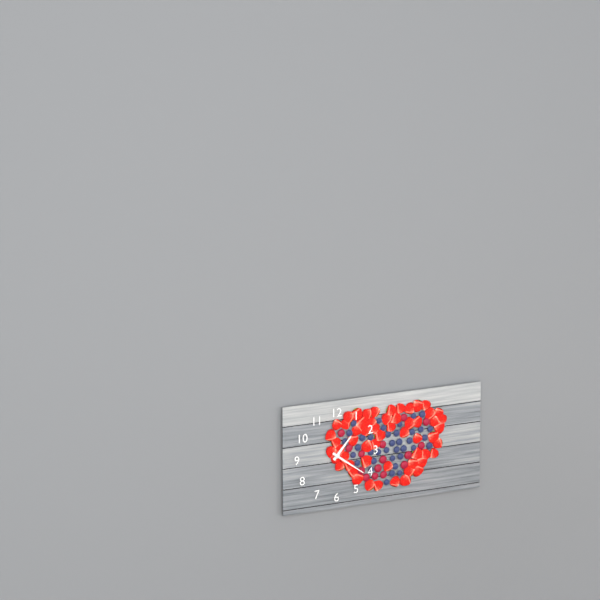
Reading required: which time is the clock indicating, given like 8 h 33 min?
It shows 1 h 21 min
